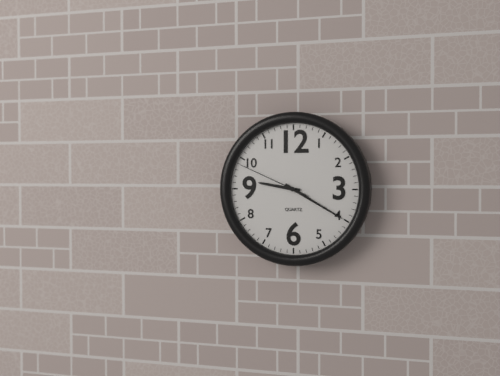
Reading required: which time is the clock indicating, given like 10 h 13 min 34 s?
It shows 9 h 20 min 49 s
